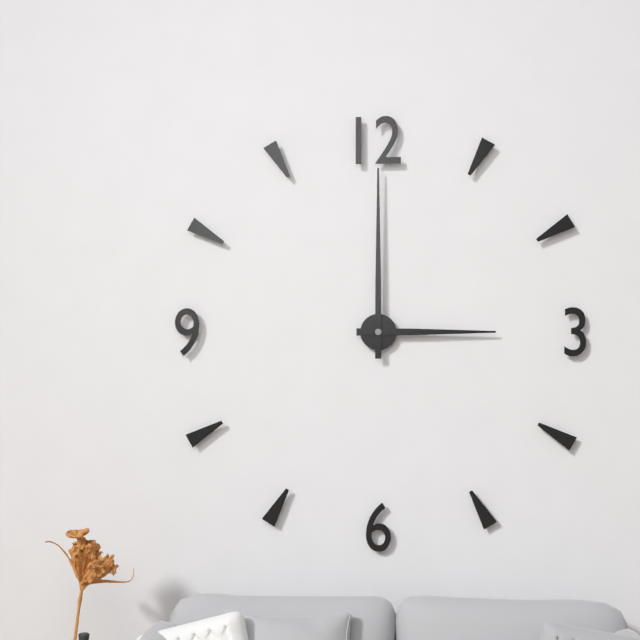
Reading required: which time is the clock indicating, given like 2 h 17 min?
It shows 3 h 00 min
